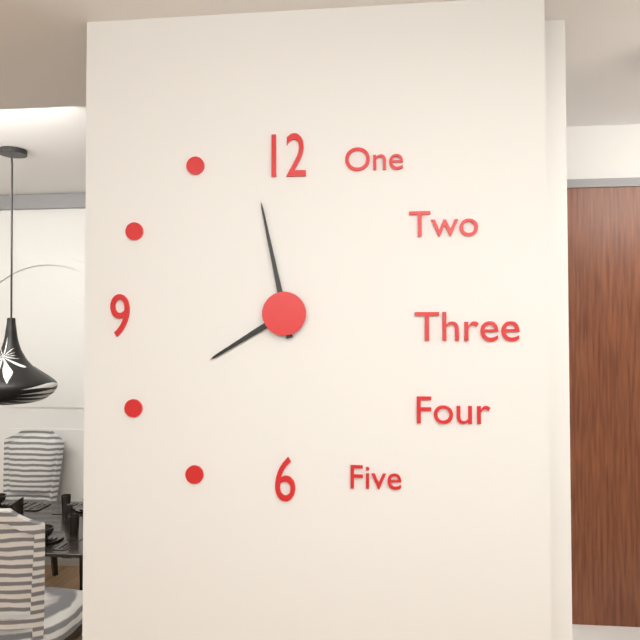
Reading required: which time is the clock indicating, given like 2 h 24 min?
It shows 7 h 58 min
